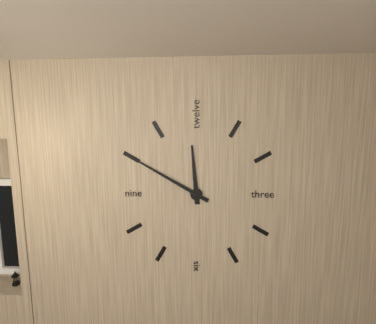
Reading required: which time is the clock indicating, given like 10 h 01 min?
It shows 11 h 50 min
